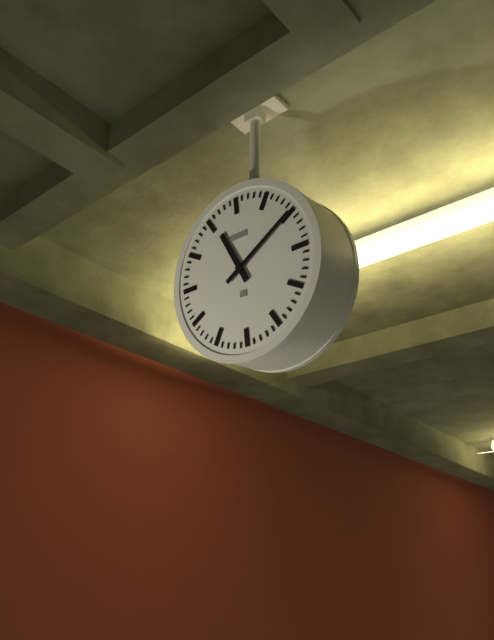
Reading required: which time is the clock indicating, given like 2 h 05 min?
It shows 11 h 10 min
